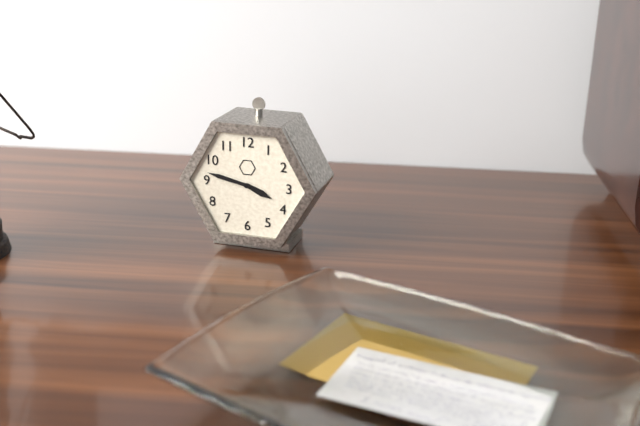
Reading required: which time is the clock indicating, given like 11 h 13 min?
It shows 3 h 47 min
